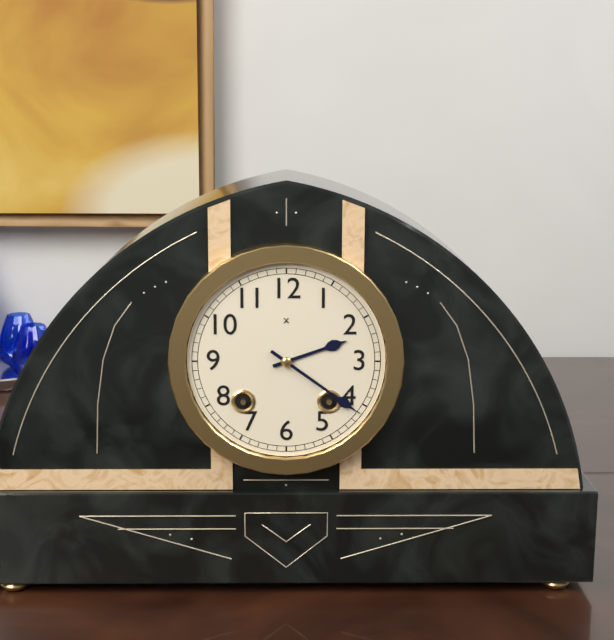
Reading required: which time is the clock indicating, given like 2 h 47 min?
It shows 2 h 21 min
